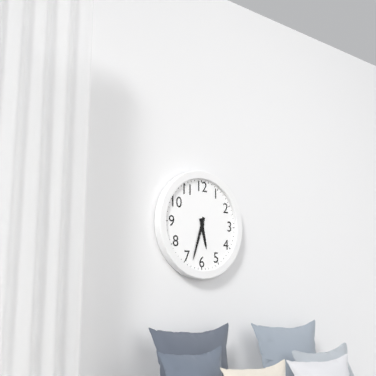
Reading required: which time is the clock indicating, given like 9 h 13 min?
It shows 5 h 33 min
